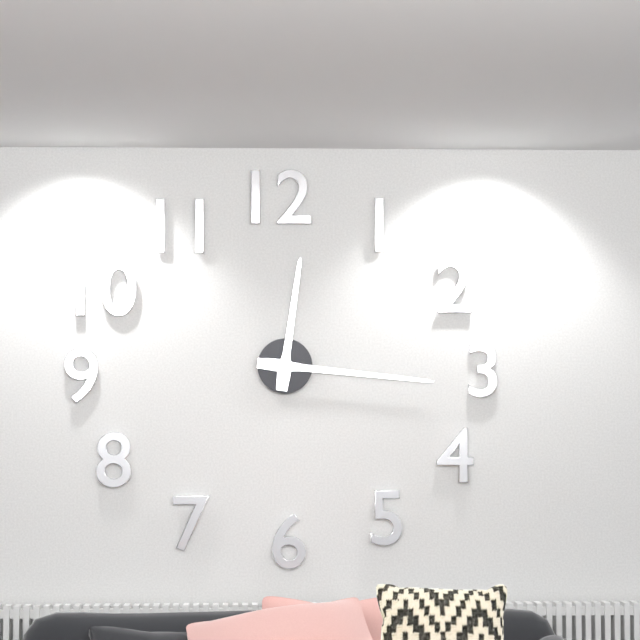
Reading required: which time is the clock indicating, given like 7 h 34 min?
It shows 12 h 16 min
